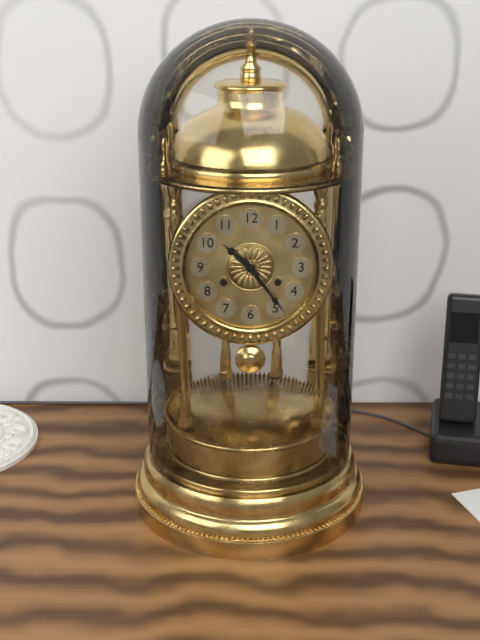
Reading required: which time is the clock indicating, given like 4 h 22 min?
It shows 10 h 24 min
